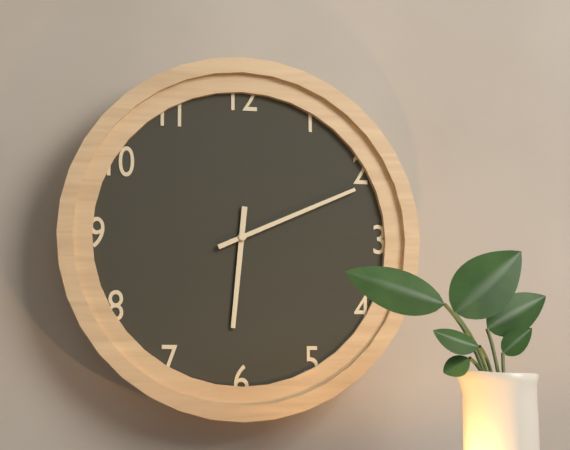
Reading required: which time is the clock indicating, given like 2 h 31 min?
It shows 6 h 11 min
